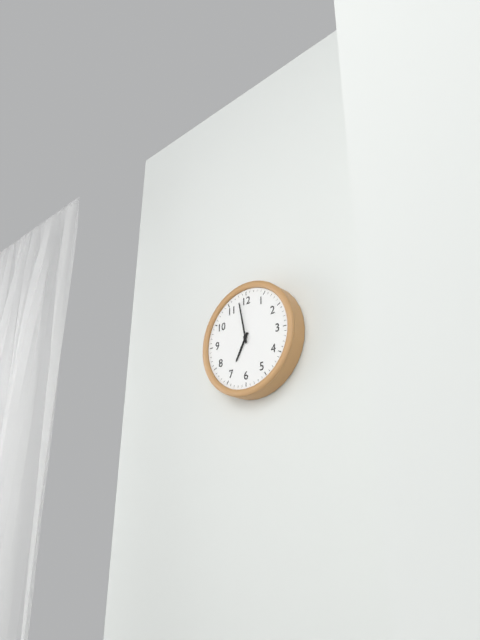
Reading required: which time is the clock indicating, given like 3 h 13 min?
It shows 6 h 58 min
